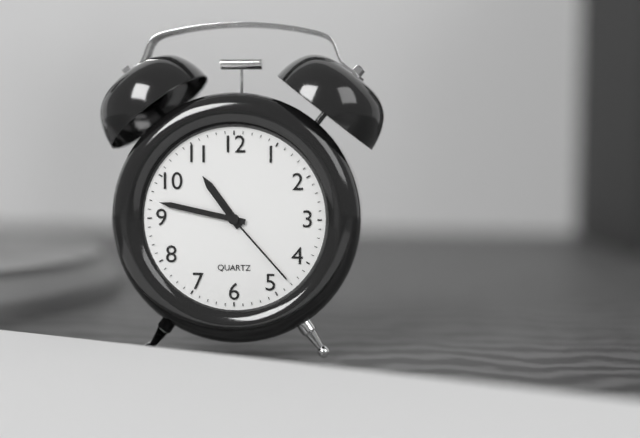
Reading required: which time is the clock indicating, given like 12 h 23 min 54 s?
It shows 10 h 47 min 23 s
